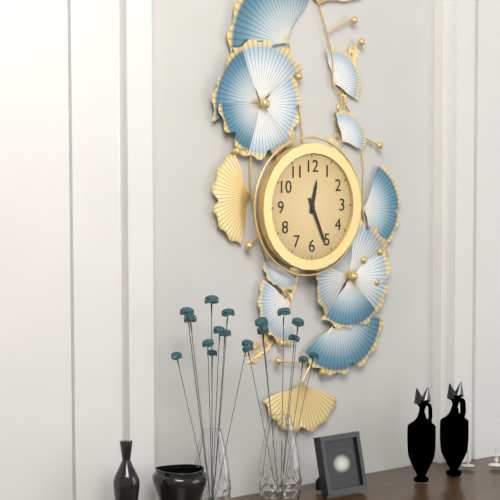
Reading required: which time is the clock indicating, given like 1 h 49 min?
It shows 12 h 26 min
